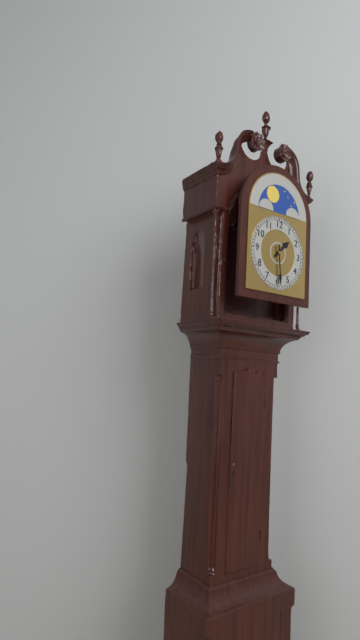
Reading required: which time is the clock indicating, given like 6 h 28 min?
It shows 1 h 29 min
